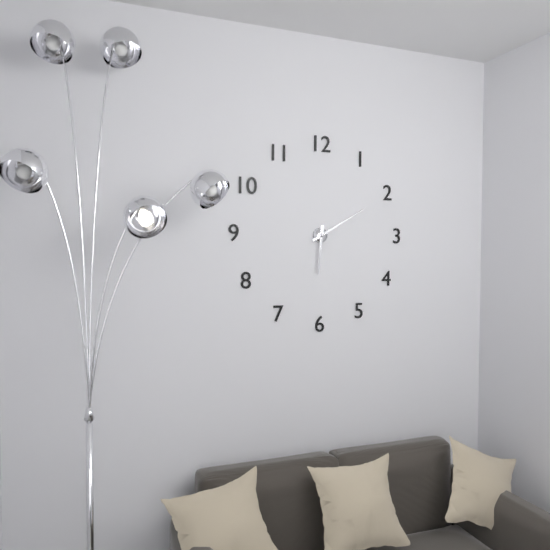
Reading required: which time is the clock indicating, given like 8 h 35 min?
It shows 6 h 10 min
